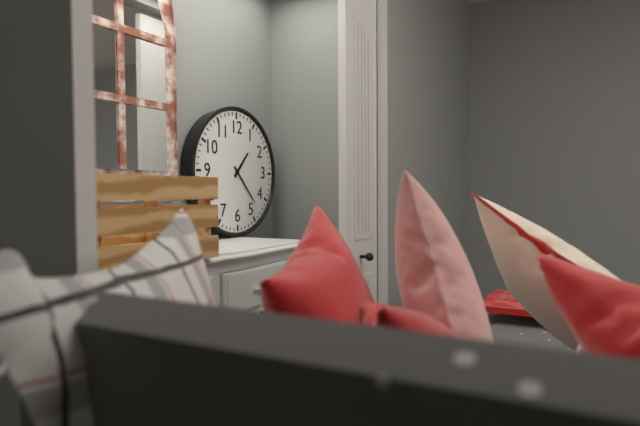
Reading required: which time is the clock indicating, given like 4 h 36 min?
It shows 1 h 23 min
